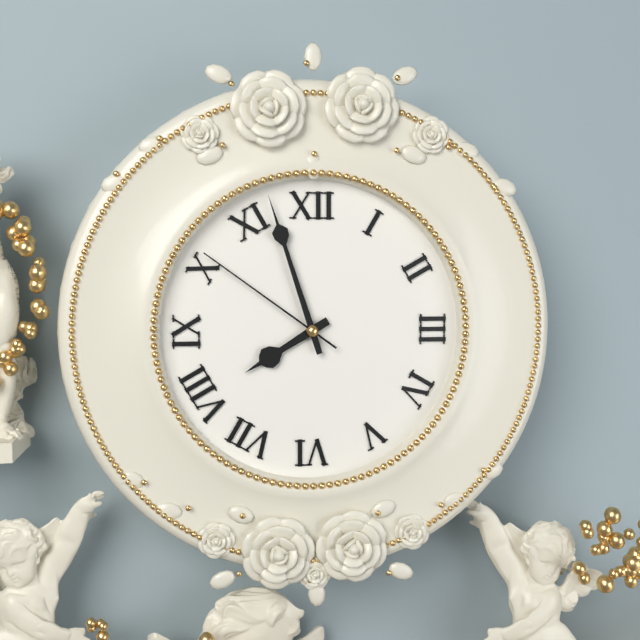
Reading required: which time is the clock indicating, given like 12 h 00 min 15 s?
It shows 7 h 57 min 51 s
